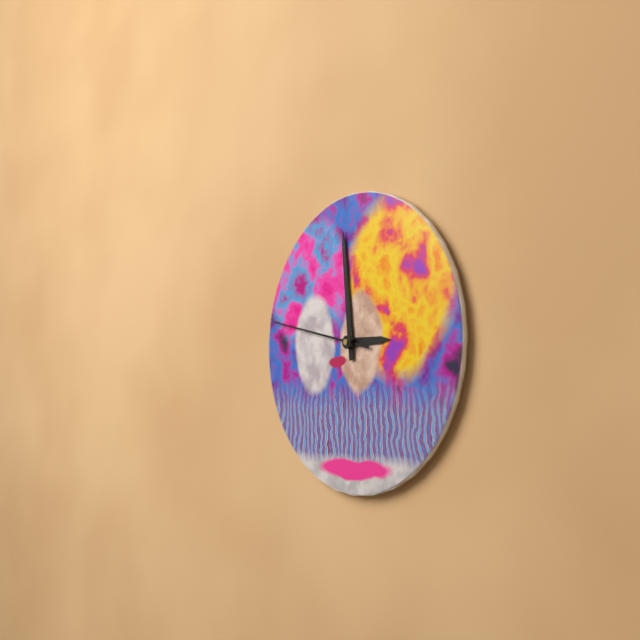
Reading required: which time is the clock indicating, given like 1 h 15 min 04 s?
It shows 2 h 59 min 47 s
